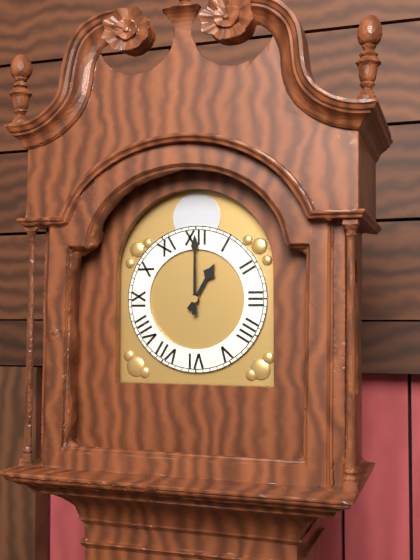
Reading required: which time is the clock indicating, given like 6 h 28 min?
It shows 1 h 00 min
